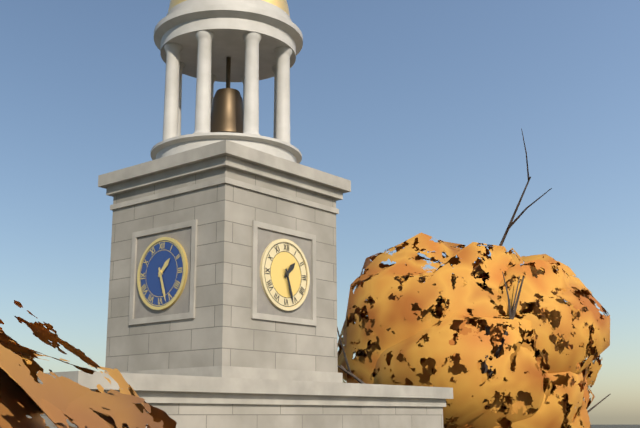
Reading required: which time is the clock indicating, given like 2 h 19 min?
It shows 1 h 27 min
